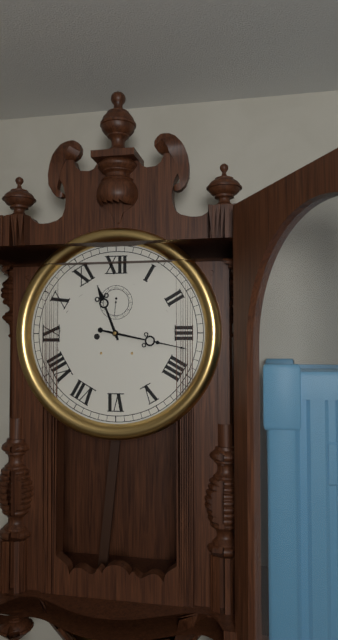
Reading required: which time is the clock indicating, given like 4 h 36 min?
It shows 11 h 17 min
